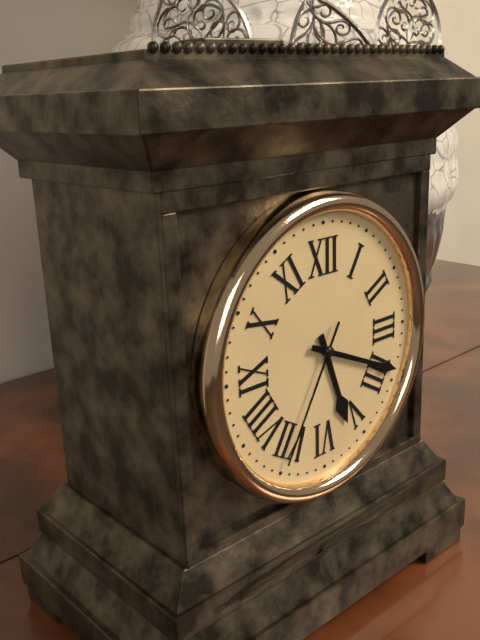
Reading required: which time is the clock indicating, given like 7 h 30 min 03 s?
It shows 5 h 19 min 35 s
